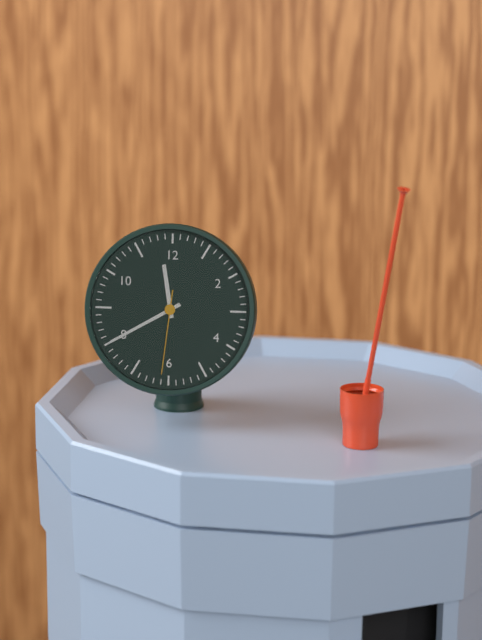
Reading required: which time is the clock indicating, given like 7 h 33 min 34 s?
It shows 11 h 40 min 31 s
